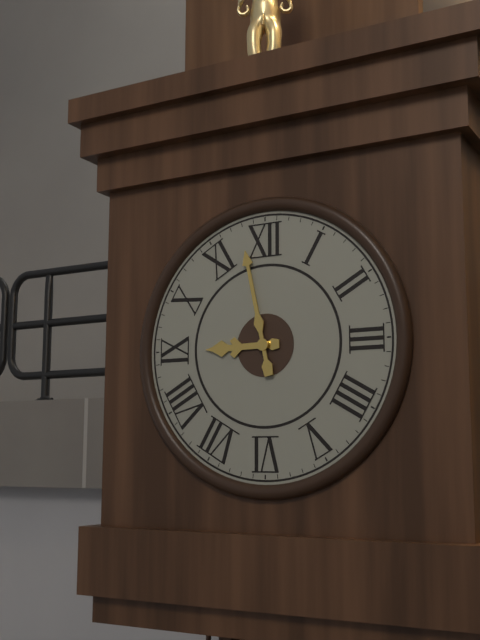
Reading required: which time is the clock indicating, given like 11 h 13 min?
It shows 8 h 58 min
